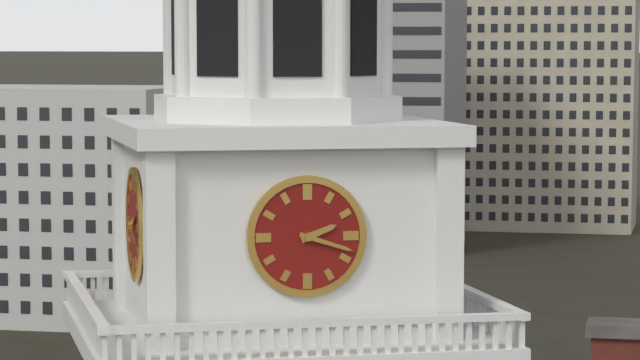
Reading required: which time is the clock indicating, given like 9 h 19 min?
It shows 2 h 18 min
